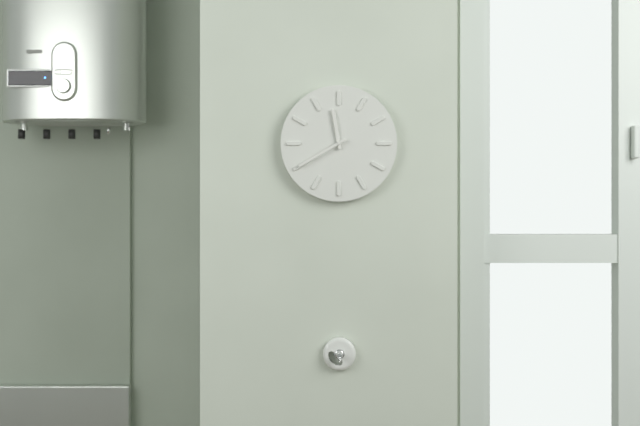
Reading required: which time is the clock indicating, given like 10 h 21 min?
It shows 11 h 40 min
